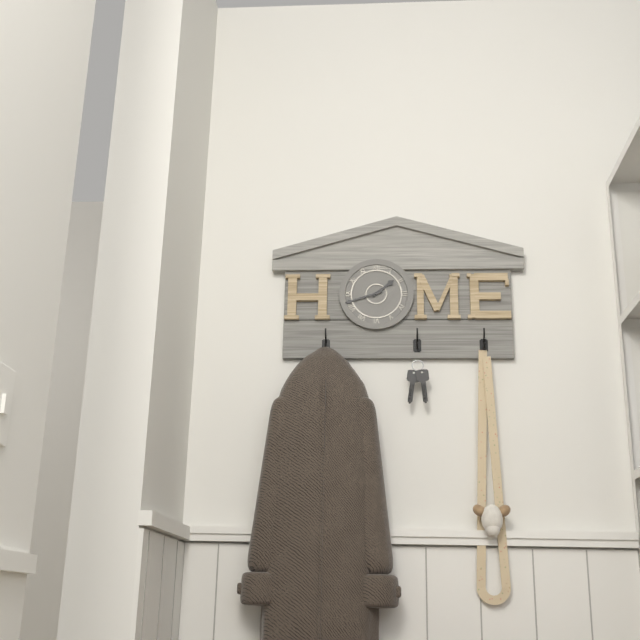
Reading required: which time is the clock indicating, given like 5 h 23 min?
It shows 1 h 42 min
